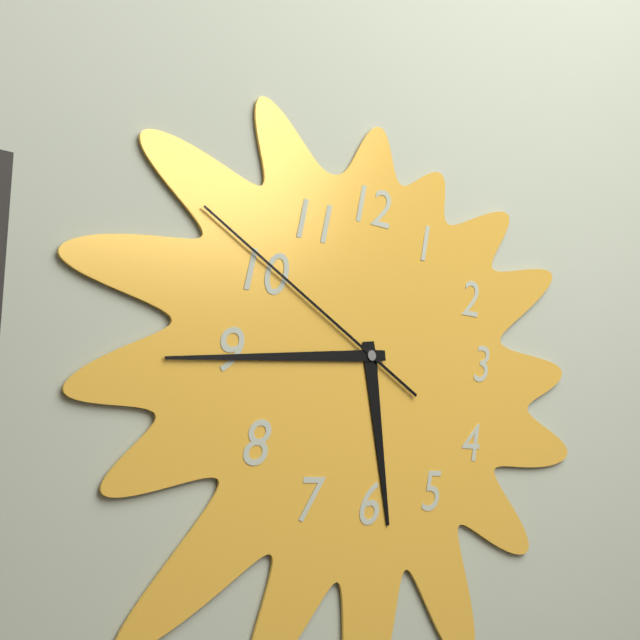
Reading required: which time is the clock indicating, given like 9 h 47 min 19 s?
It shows 5 h 44 min 50 s
